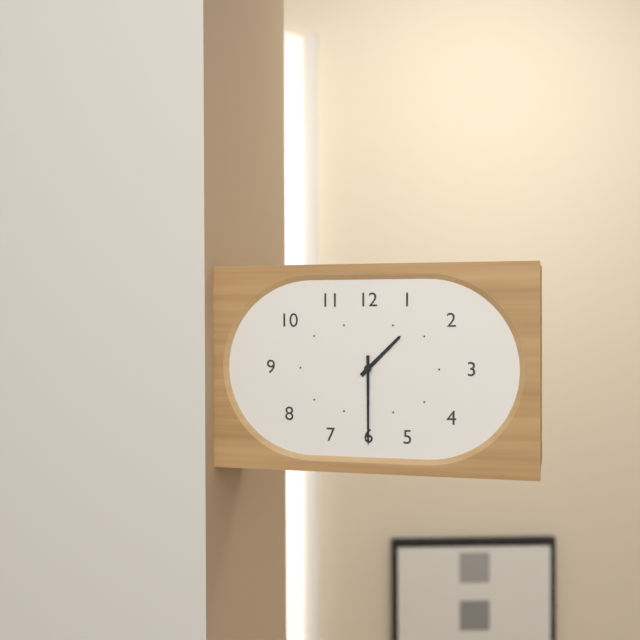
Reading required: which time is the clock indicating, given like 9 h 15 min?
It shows 1 h 30 min
